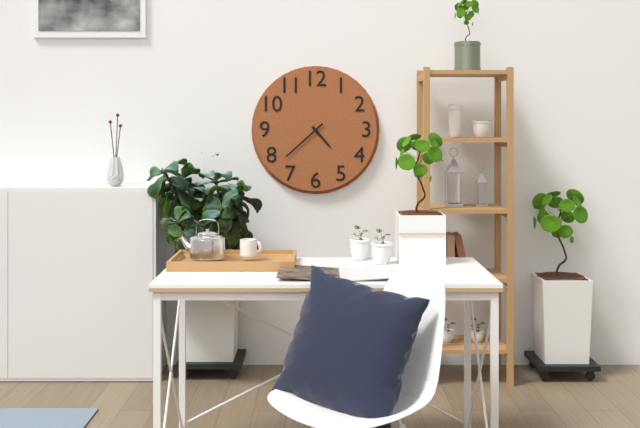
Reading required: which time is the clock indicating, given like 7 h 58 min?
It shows 4 h 38 min
